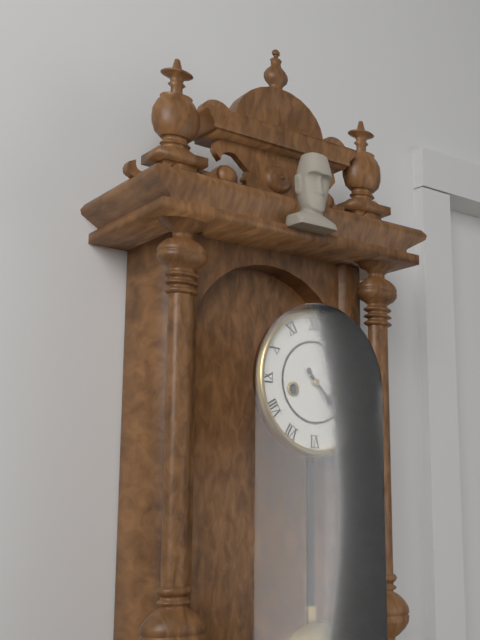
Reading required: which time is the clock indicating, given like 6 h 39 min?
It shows 4 h 23 min
